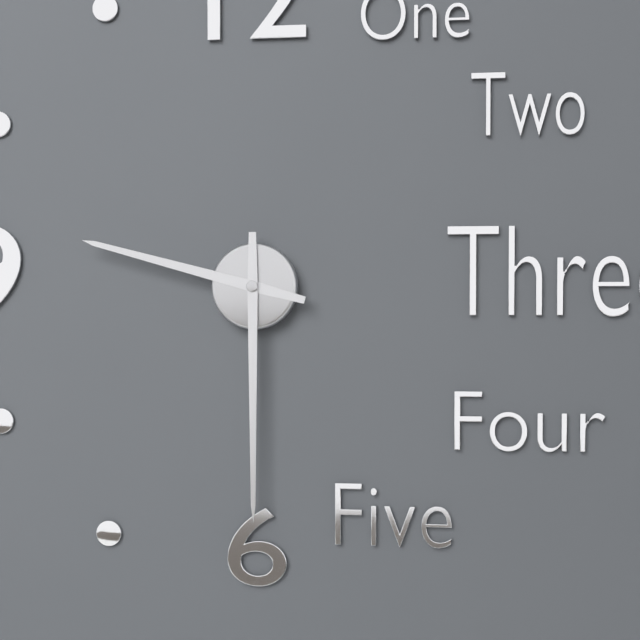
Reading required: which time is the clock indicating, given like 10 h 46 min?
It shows 9 h 30 min
